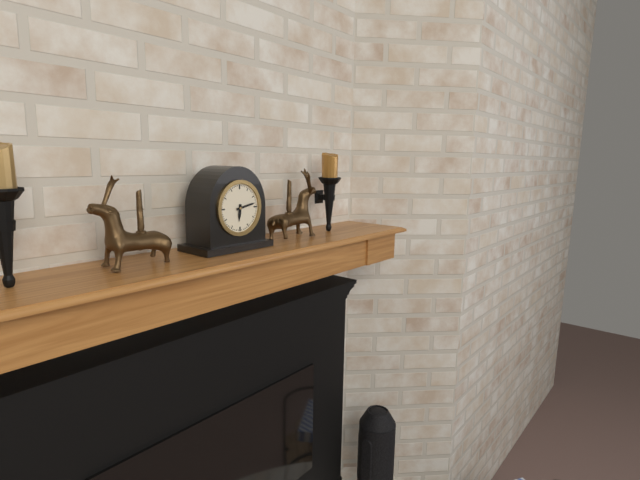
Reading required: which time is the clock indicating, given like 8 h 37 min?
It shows 6 h 13 min
